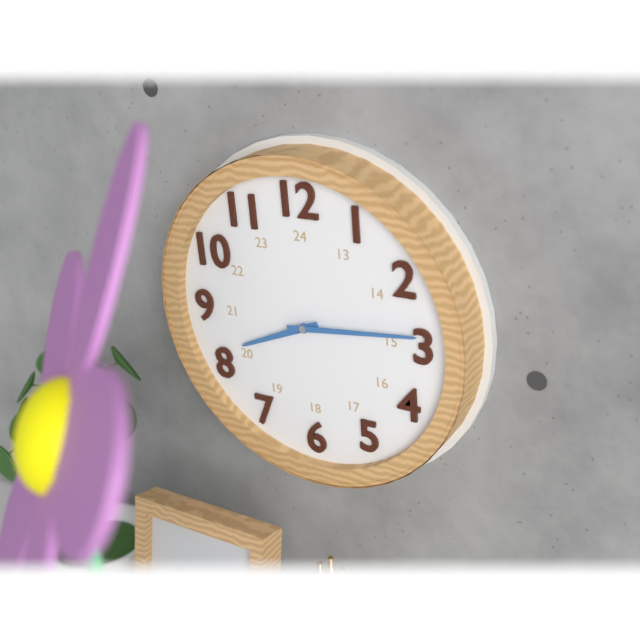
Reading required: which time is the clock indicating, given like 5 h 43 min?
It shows 8 h 14 min
